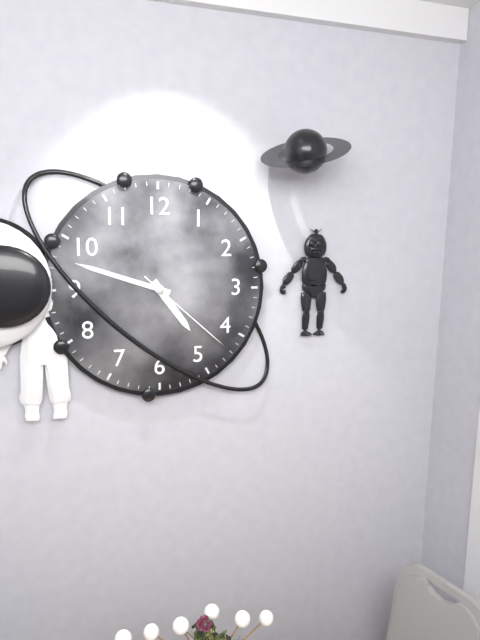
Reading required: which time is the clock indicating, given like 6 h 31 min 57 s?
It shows 4 h 48 min 22 s
